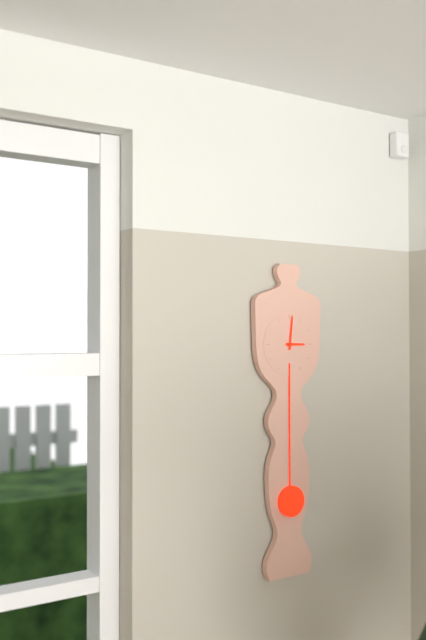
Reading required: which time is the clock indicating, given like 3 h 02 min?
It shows 3 h 01 min
